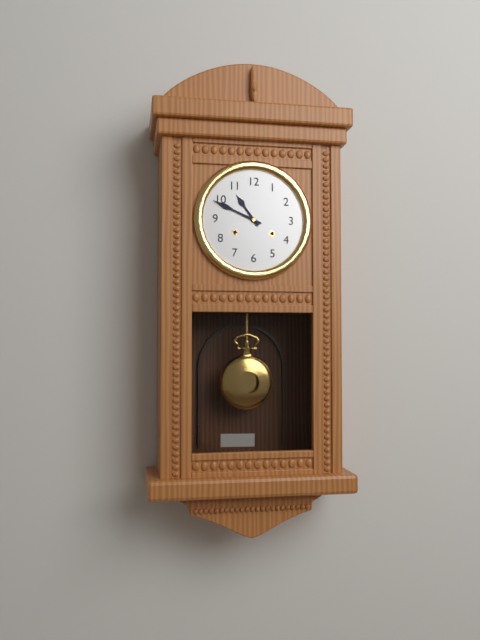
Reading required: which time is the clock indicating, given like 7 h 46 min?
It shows 10 h 49 min
